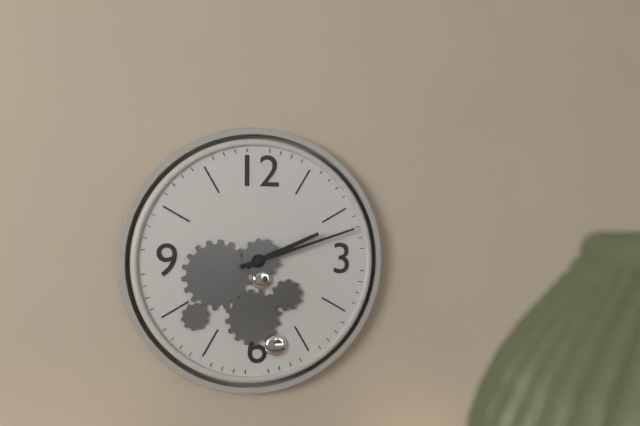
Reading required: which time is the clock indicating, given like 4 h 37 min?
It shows 2 h 12 min
